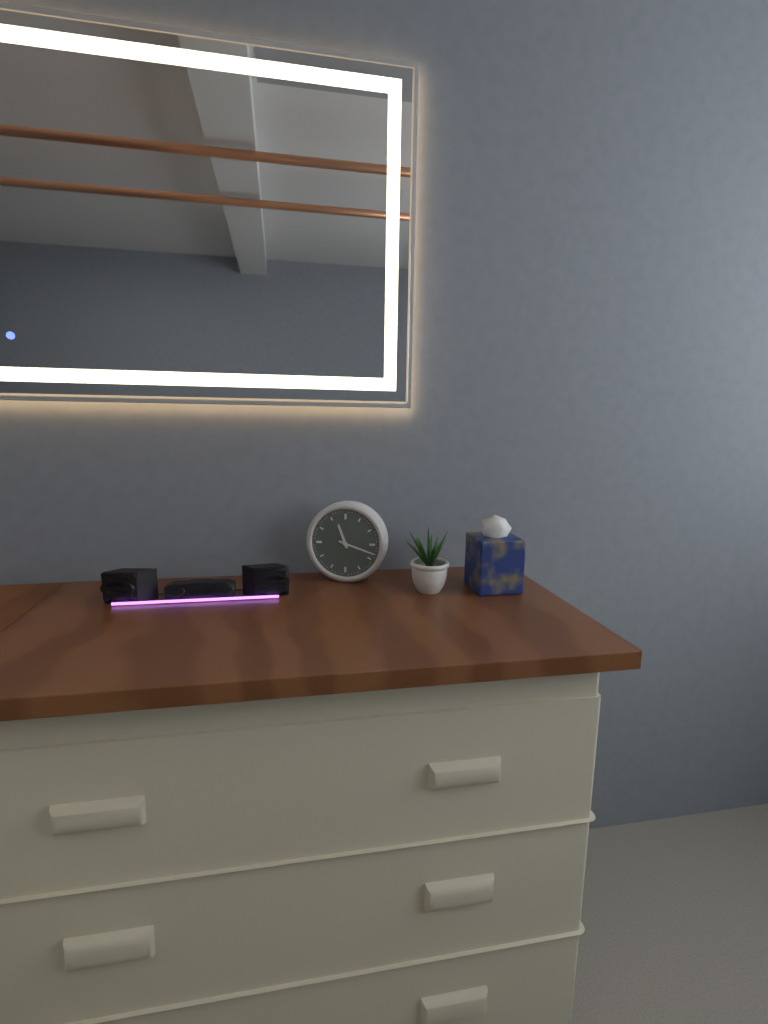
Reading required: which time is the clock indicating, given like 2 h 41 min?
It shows 11 h 18 min
